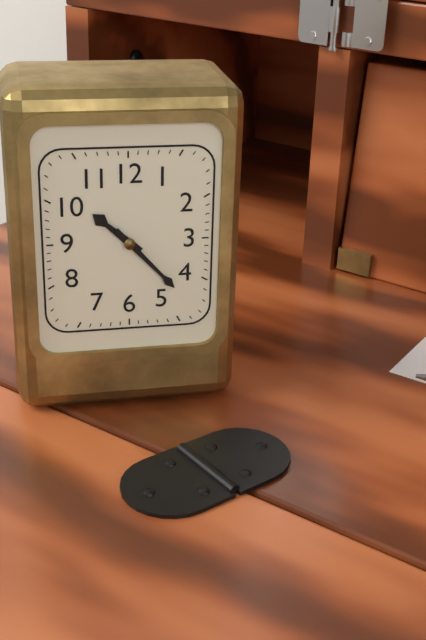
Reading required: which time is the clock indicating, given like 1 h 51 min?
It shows 10 h 23 min
